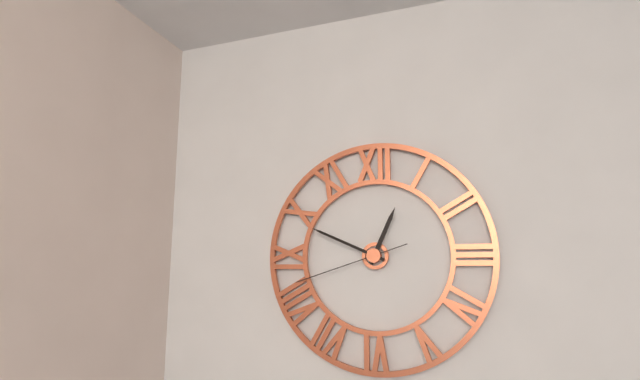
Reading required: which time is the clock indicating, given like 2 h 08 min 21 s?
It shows 12 h 49 min 42 s
